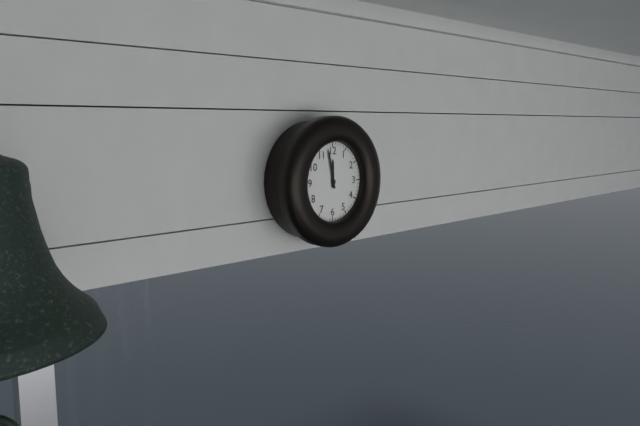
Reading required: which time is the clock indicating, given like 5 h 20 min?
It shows 11 h 58 min
